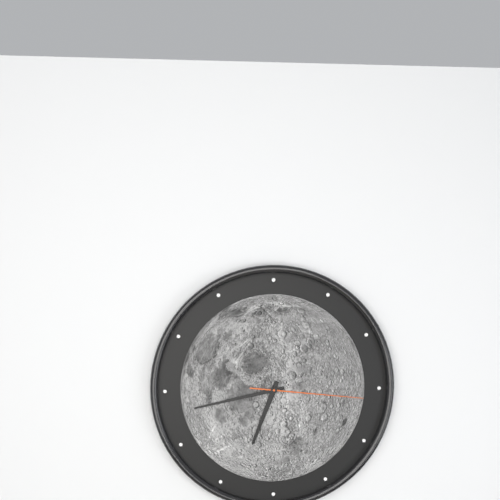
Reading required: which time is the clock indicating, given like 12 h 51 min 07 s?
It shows 6 h 43 min 16 s
